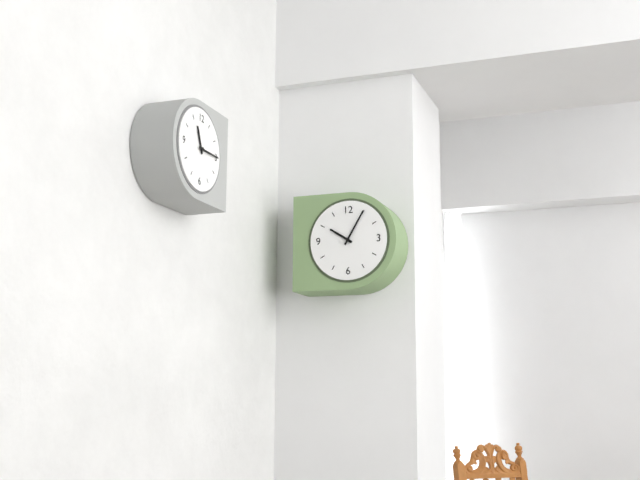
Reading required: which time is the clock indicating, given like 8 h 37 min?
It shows 10 h 05 min
